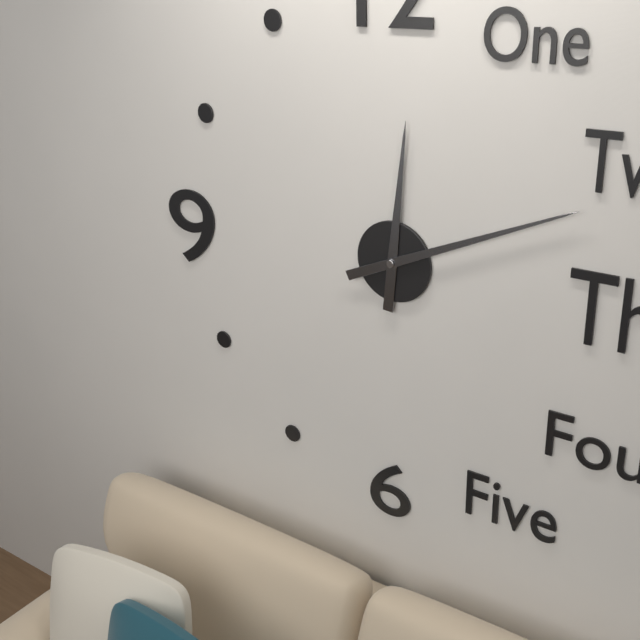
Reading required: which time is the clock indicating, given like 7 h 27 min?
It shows 12 h 11 min
